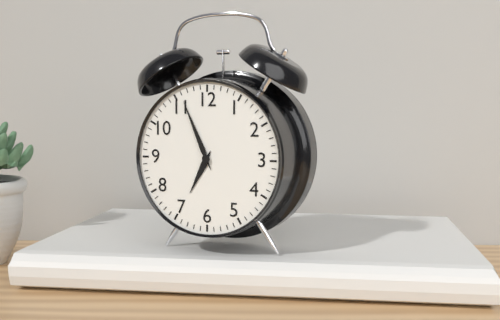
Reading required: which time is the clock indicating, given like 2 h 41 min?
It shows 6 h 56 min
